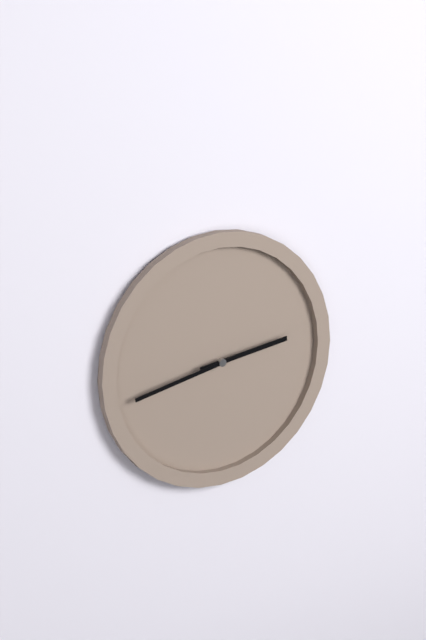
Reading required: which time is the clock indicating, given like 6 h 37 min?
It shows 2 h 43 min
